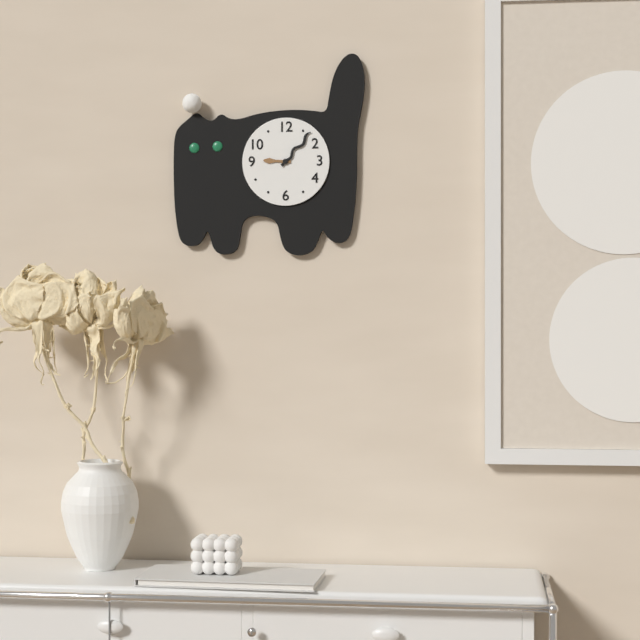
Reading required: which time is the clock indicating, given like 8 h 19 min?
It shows 9 h 07 min
